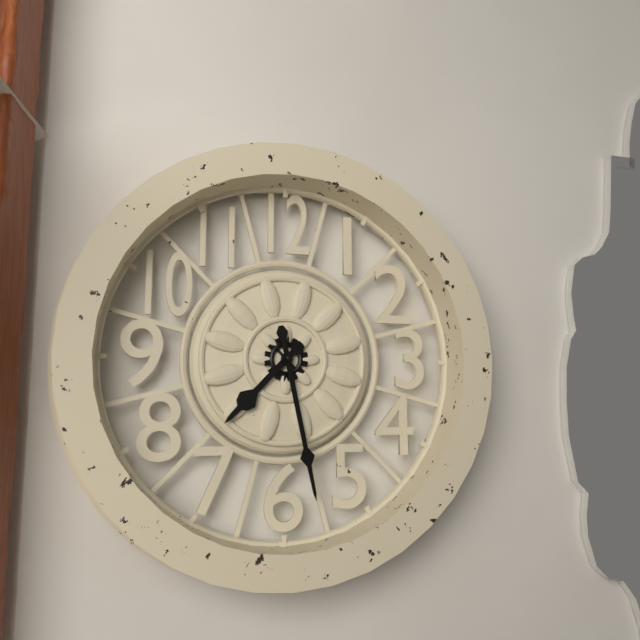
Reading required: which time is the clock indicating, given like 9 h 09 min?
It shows 7 h 28 min
